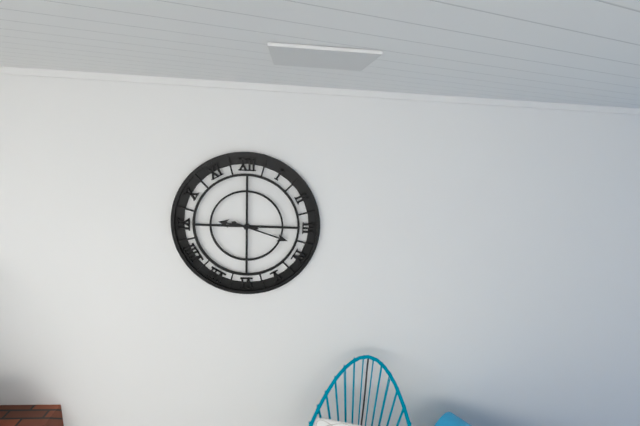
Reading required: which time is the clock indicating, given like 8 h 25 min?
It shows 9 h 18 min
